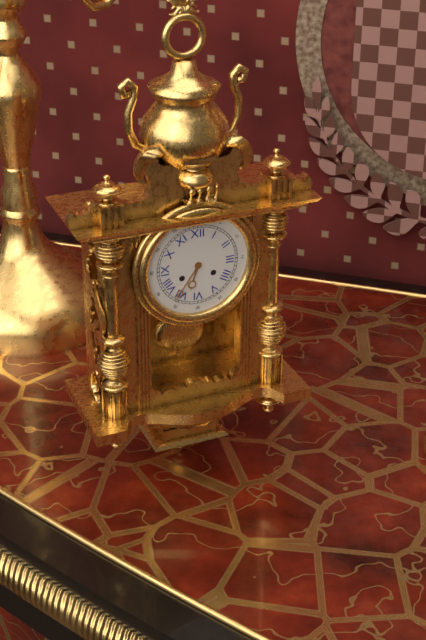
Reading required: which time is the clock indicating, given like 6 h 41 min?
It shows 6 h 36 min
